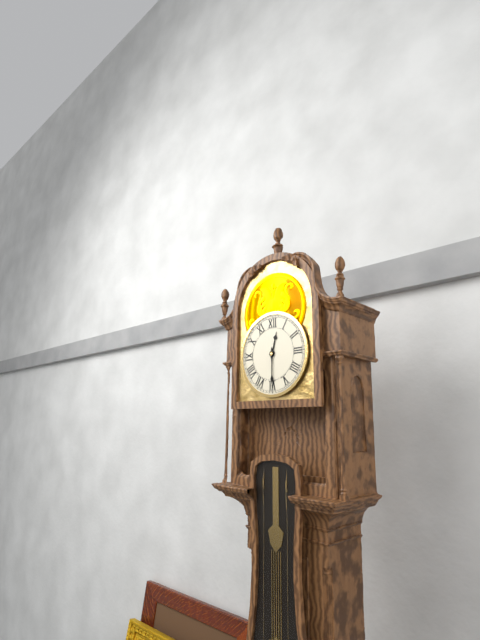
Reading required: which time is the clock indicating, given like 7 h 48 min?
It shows 12 h 30 min
